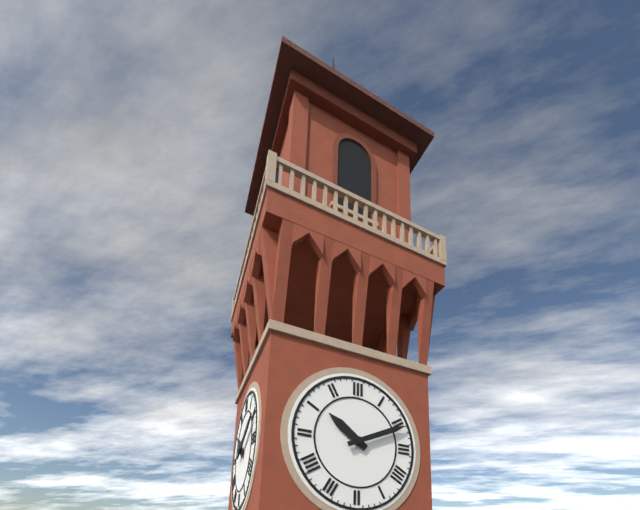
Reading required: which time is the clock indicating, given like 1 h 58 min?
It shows 10 h 11 min
